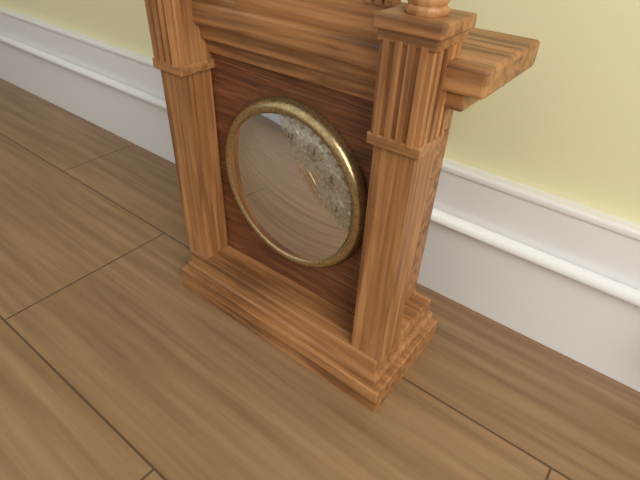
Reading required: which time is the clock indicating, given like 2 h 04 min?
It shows 10 h 33 min
